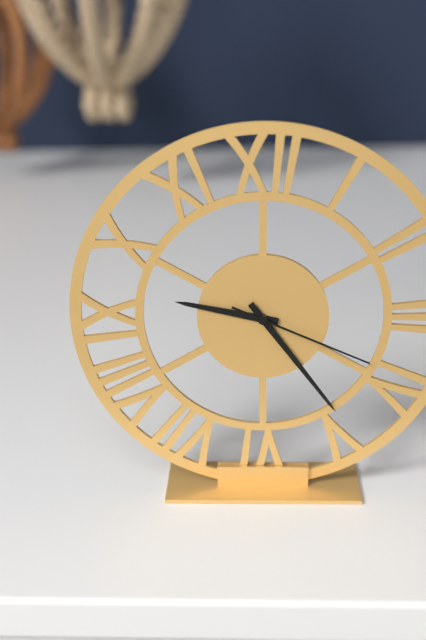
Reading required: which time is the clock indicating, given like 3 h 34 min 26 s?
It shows 9 h 24 min 19 s
